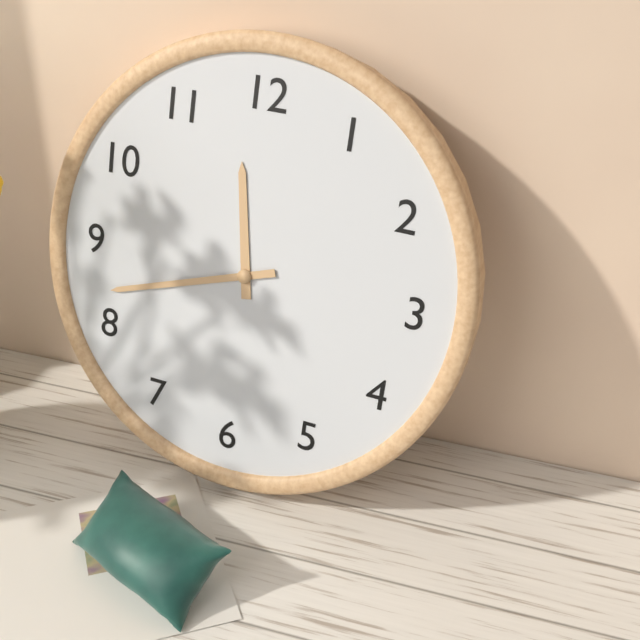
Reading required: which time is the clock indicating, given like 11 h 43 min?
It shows 11 h 42 min
